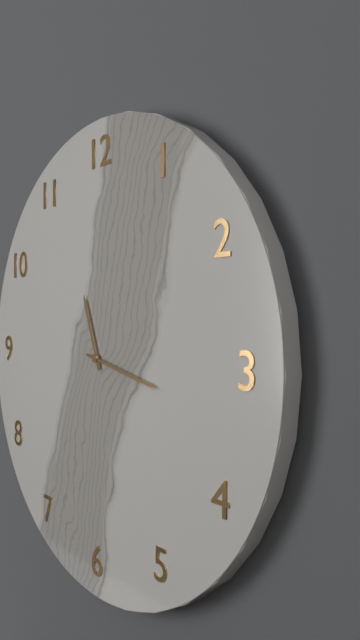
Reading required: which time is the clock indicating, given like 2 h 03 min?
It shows 11 h 17 min
